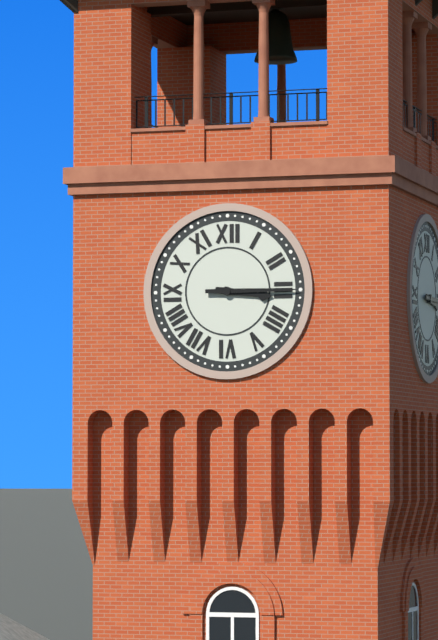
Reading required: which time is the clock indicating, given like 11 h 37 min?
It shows 3 h 15 min
